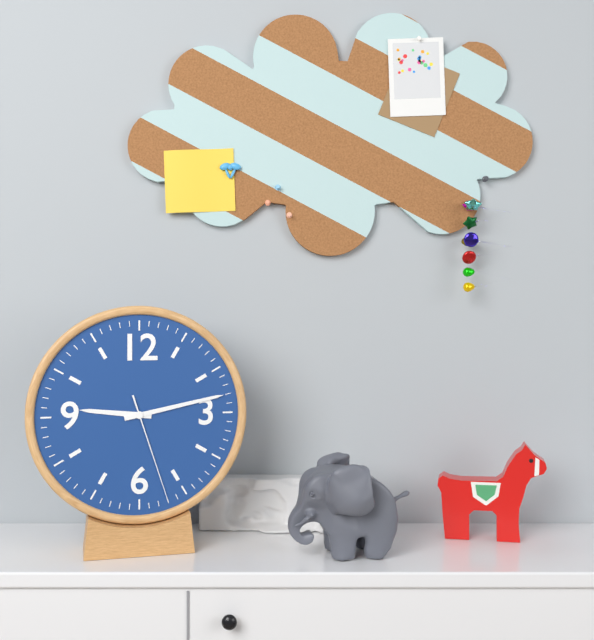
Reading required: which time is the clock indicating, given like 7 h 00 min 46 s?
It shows 9 h 13 min 27 s
